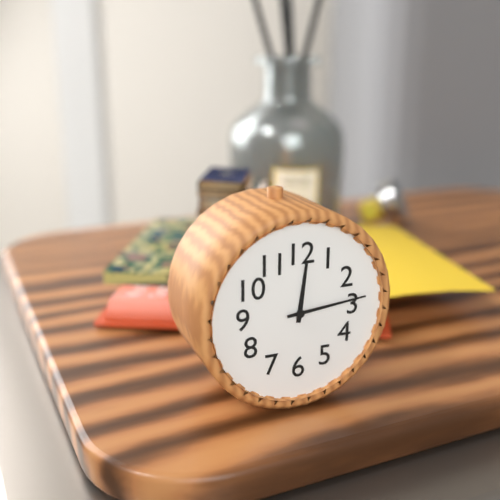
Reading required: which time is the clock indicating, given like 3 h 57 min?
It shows 12 h 14 min
